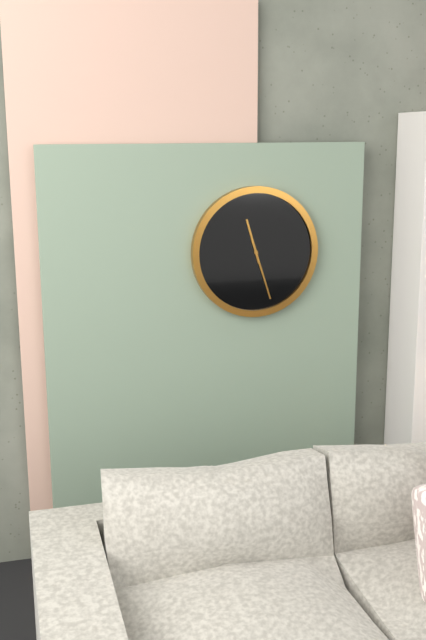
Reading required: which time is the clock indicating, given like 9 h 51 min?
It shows 11 h 27 min
